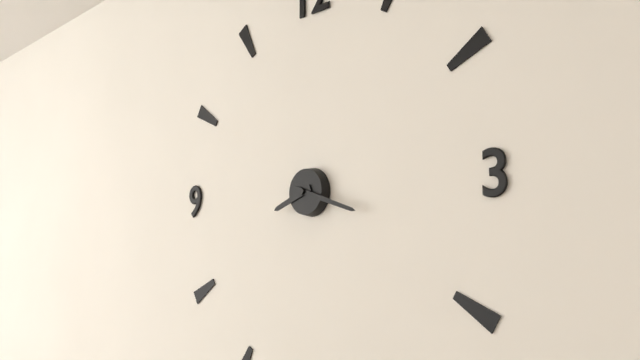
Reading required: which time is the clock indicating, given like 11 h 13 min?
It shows 8 h 18 min
